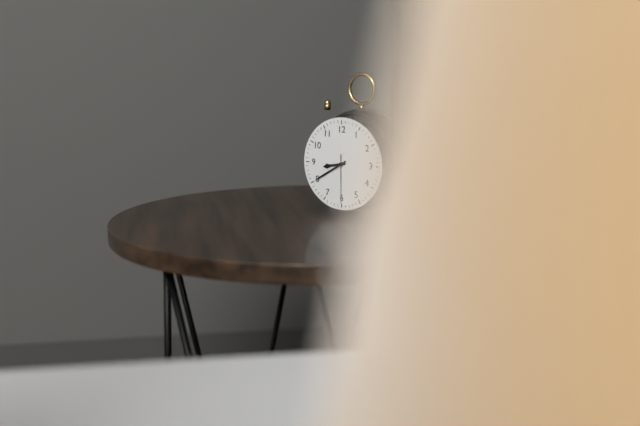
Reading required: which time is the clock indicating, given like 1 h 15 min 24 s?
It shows 8 h 40 min 30 s
